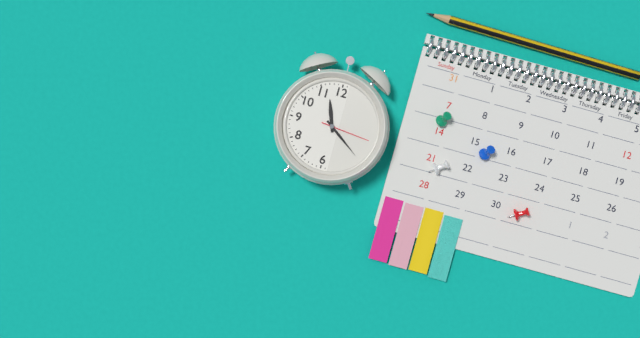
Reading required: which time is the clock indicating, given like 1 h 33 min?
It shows 11 h 21 min
